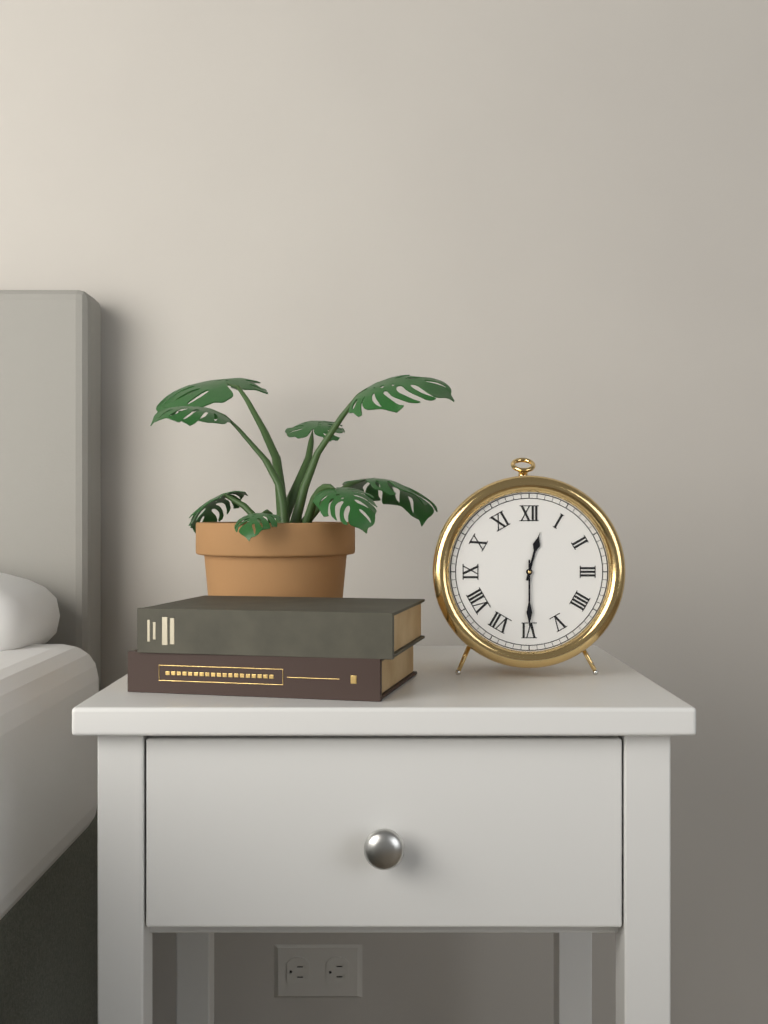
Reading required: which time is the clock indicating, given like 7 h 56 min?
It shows 12 h 30 min
